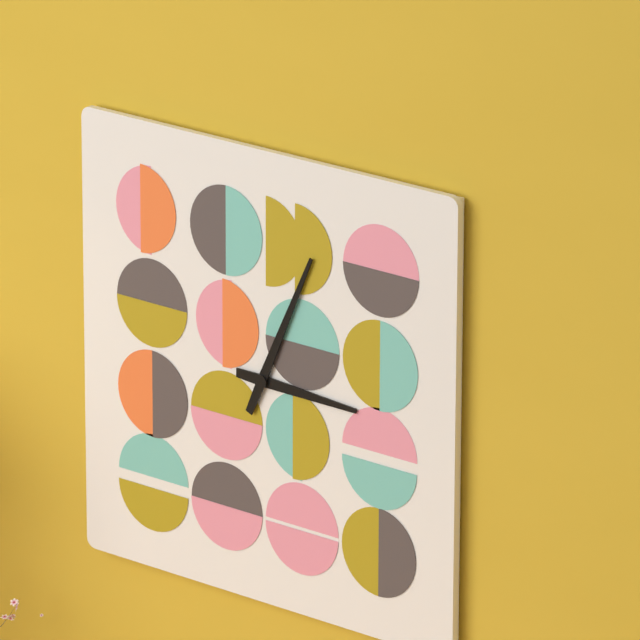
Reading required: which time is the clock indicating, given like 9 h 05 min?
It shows 3 h 04 min
